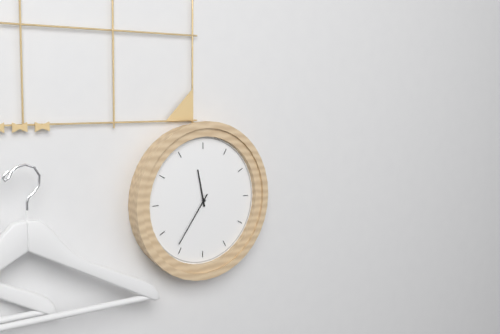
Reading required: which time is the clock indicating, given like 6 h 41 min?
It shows 11 h 36 min
